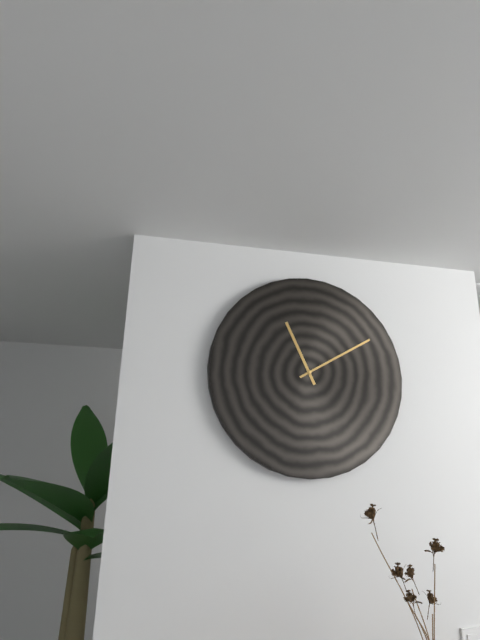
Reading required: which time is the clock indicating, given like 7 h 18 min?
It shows 11 h 10 min
